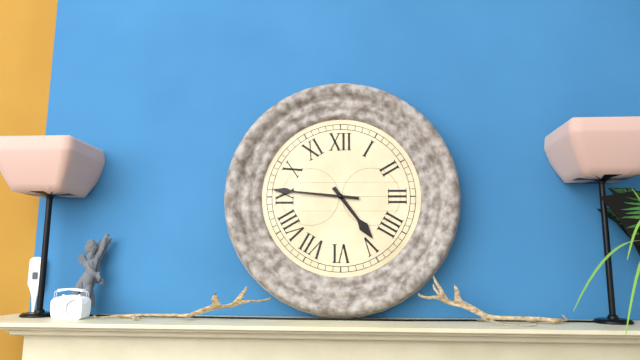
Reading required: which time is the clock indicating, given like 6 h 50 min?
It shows 4 h 46 min
